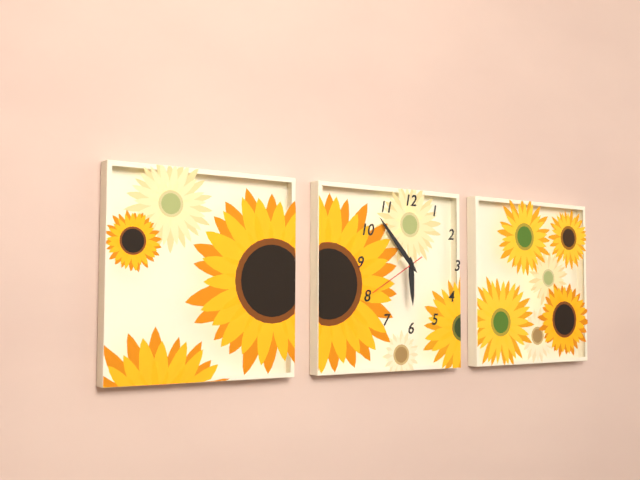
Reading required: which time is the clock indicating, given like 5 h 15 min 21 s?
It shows 5 h 53 min 40 s
